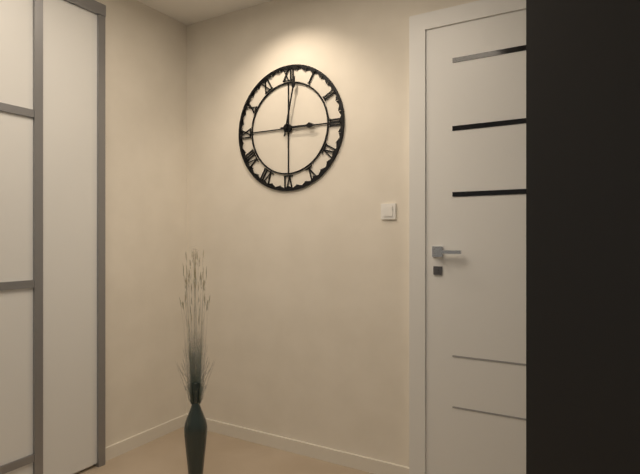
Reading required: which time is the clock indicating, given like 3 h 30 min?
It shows 3 h 02 min
